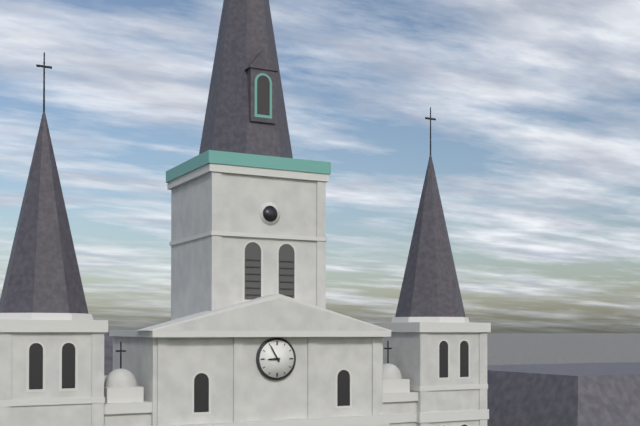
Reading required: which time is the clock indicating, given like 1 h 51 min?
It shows 8 h 55 min
